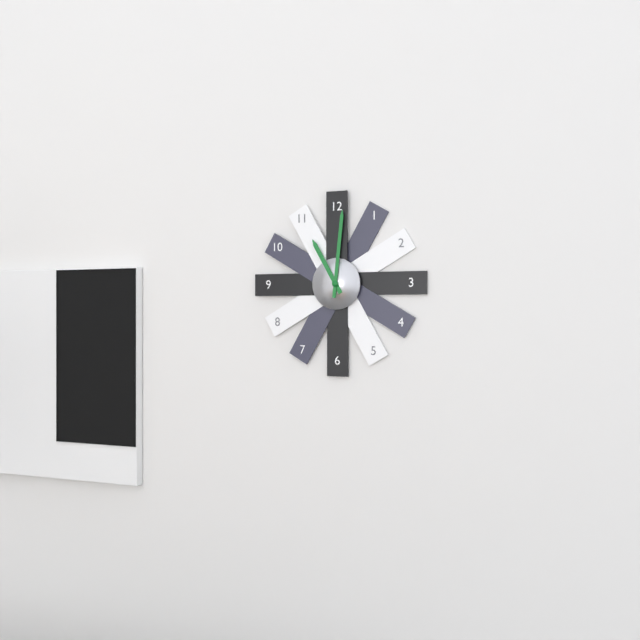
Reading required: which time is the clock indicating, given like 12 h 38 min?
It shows 11 h 01 min
